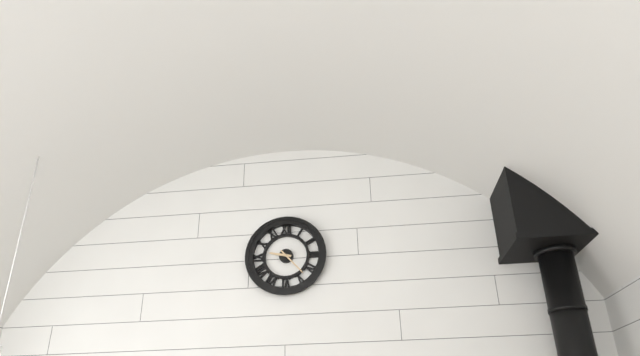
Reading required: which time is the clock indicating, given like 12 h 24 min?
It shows 9 h 23 min
